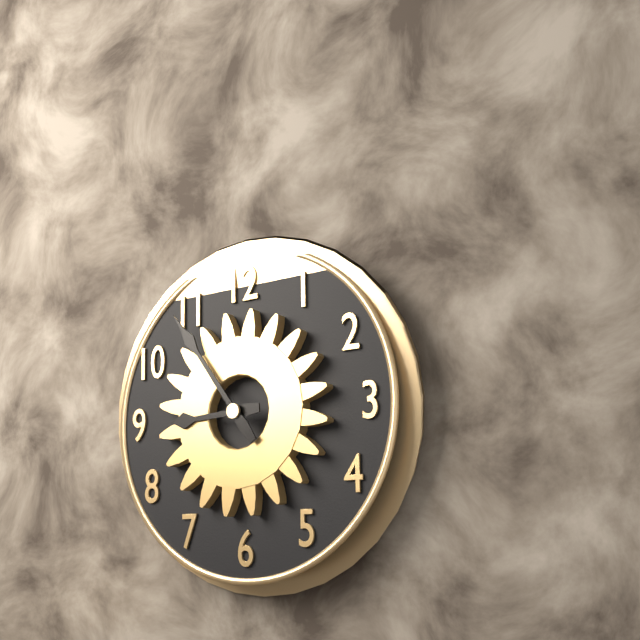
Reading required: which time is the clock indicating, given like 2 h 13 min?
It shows 8 h 54 min
